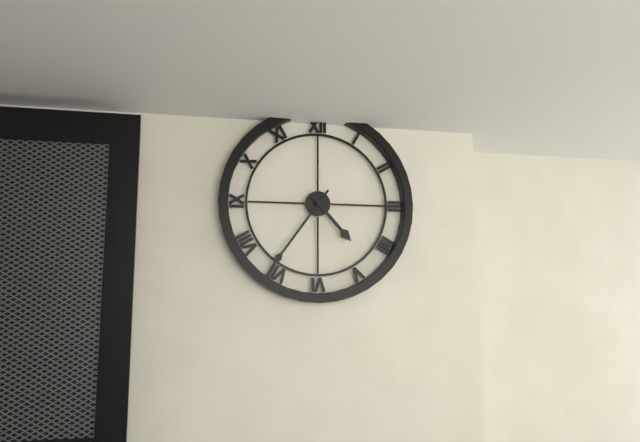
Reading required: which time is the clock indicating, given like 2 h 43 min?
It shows 4 h 36 min
